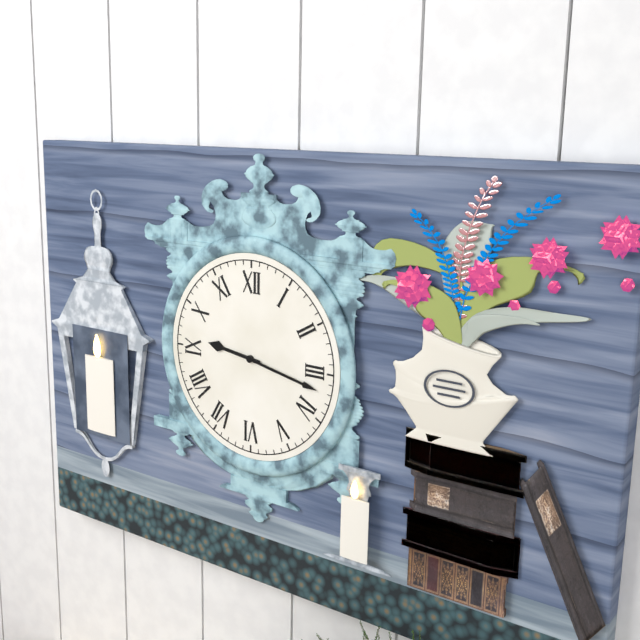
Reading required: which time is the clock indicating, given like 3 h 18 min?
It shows 9 h 17 min
